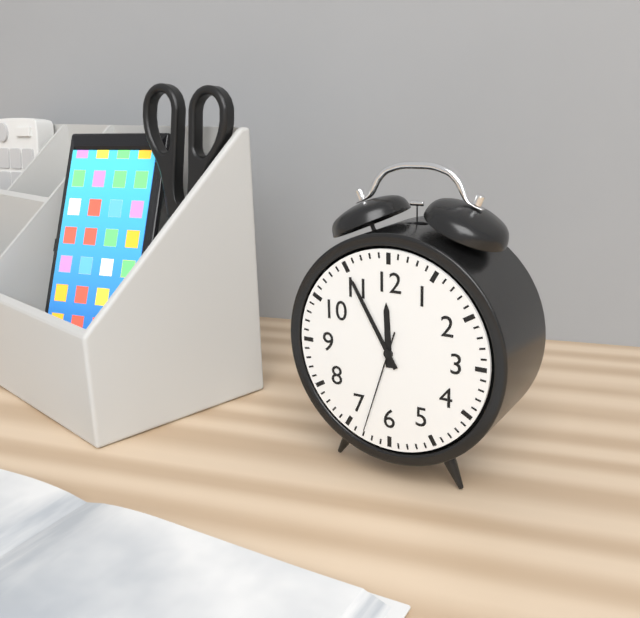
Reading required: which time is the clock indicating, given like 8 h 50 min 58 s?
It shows 11 h 55 min 33 s
